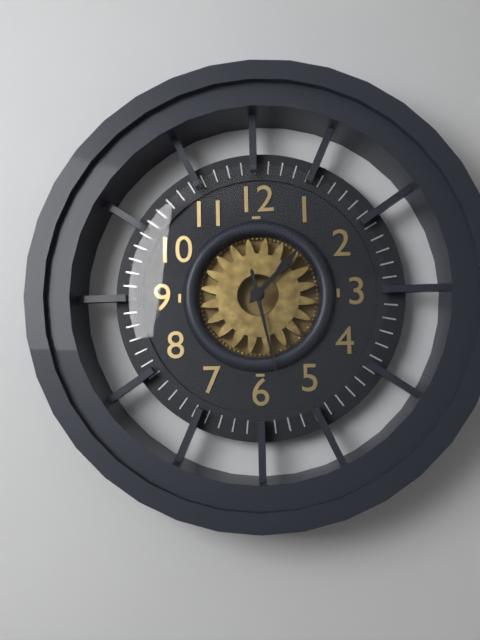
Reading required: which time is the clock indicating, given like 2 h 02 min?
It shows 1 h 28 min
